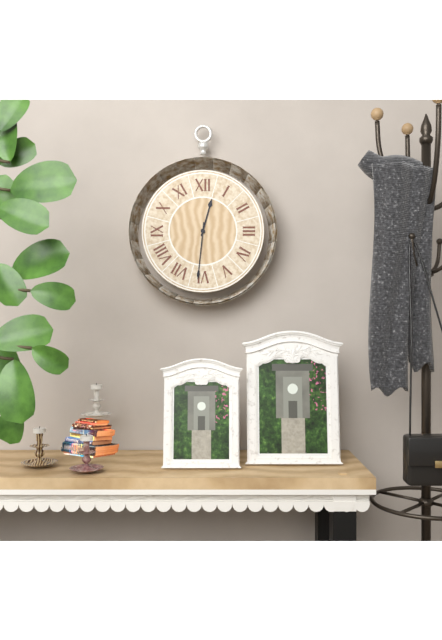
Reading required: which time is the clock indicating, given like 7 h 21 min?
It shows 12 h 31 min
